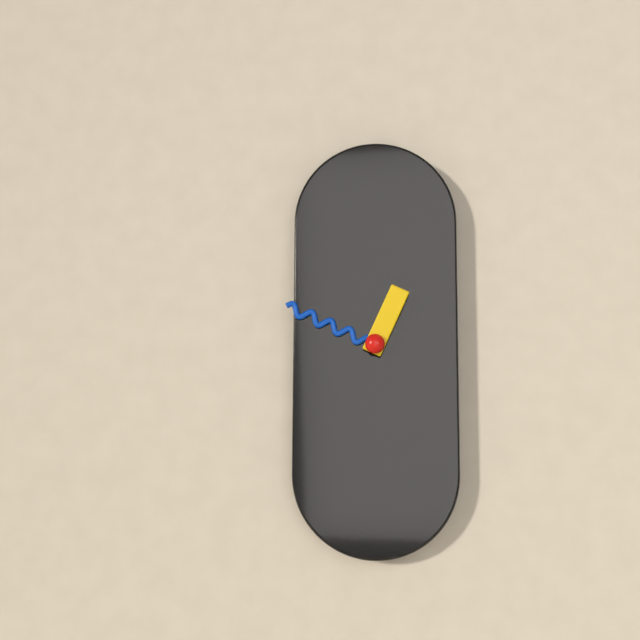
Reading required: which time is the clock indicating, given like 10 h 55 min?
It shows 12 h 49 min
